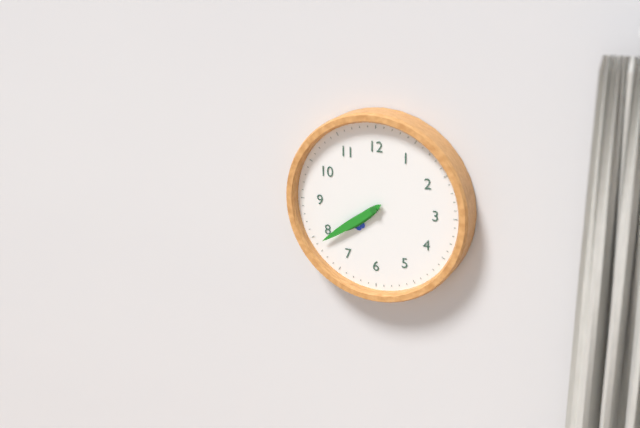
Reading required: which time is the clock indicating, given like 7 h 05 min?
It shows 7 h 39 min
